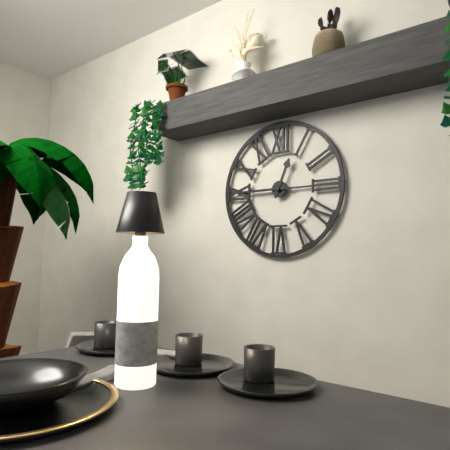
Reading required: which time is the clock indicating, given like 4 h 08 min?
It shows 12 h 45 min
